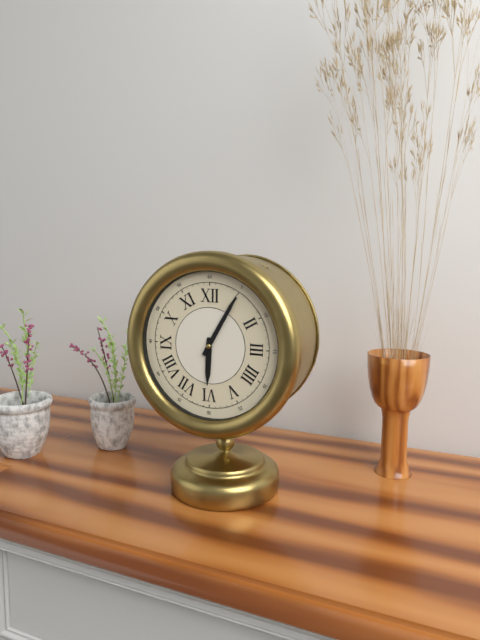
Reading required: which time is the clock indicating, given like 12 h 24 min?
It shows 6 h 05 min
